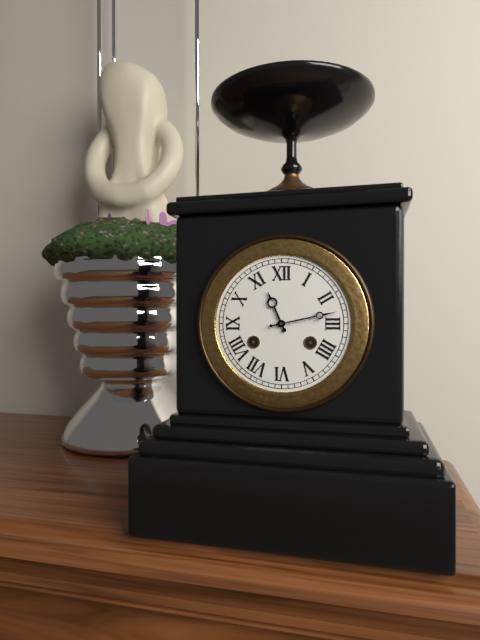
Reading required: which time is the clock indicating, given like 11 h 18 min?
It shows 11 h 13 min
